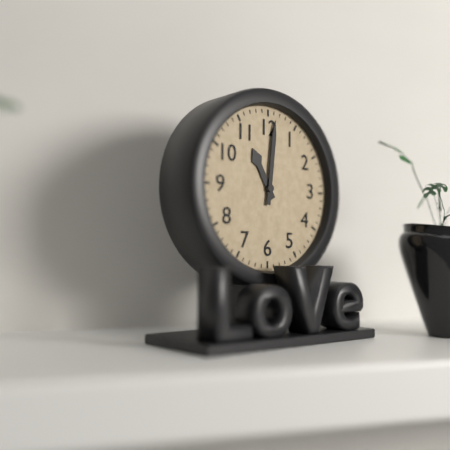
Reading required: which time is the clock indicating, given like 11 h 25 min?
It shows 11 h 01 min
